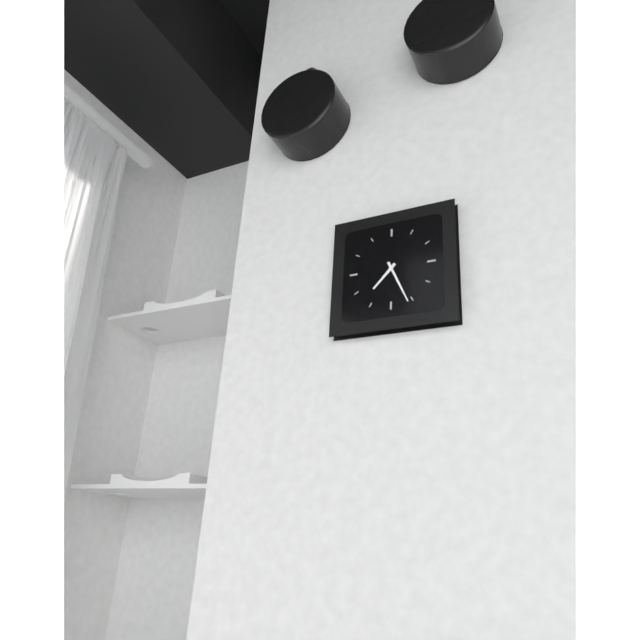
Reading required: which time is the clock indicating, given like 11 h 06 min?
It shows 7 h 26 min
